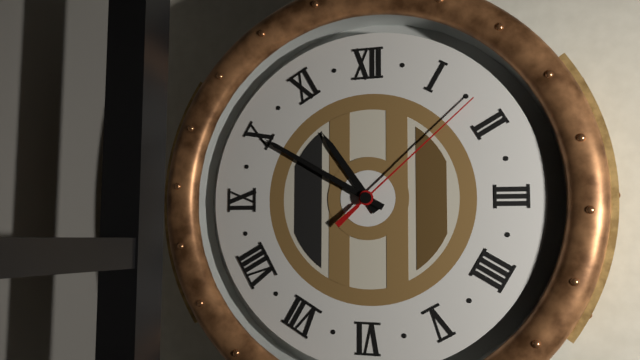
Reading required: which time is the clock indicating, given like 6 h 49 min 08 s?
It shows 10 h 50 min 08 s
